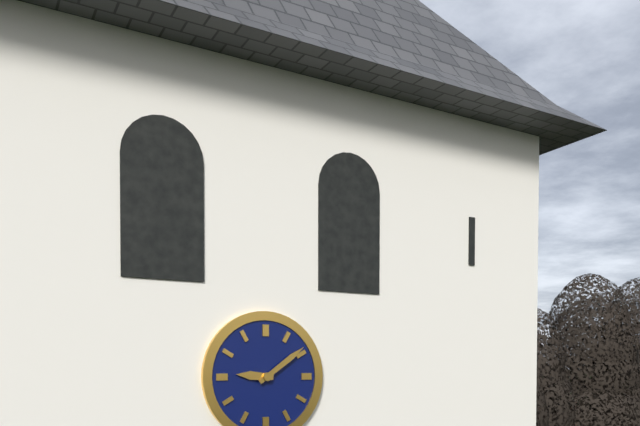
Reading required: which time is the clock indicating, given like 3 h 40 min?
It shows 9 h 09 min
